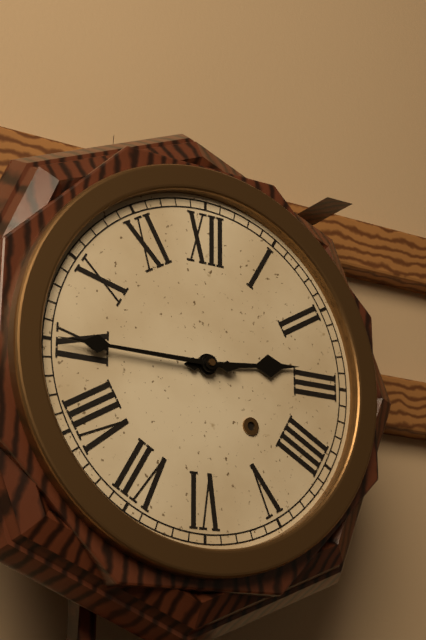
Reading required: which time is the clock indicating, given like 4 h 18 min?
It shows 2 h 45 min
